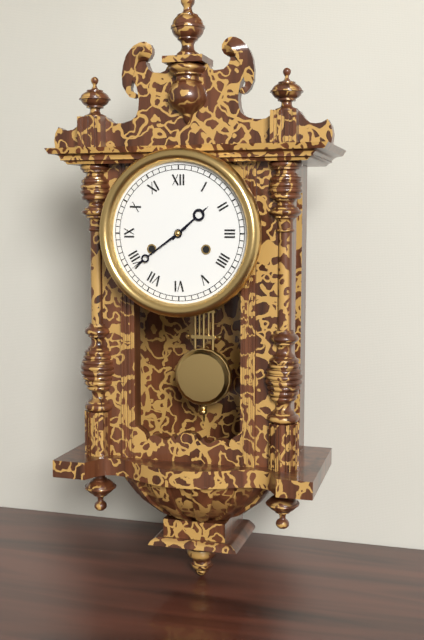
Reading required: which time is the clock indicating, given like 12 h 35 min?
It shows 1 h 39 min
